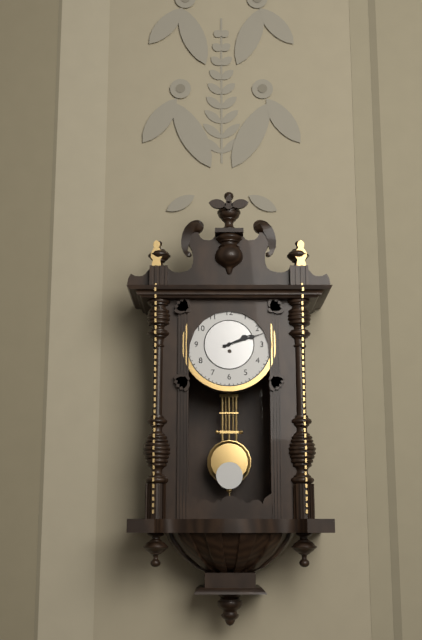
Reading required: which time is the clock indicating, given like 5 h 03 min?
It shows 2 h 12 min
